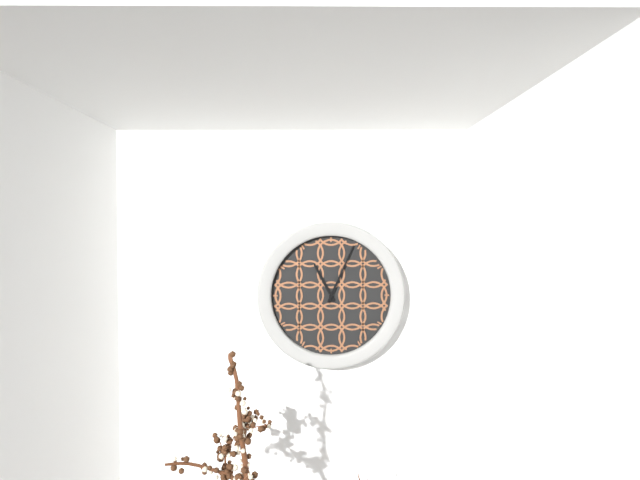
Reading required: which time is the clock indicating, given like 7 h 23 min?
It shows 11 h 04 min
